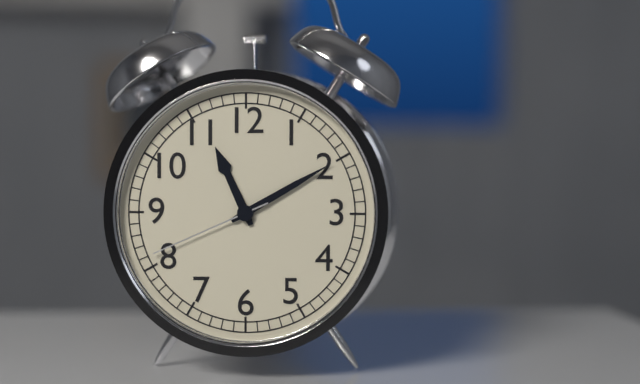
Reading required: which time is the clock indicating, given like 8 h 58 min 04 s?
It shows 11 h 10 min 41 s
